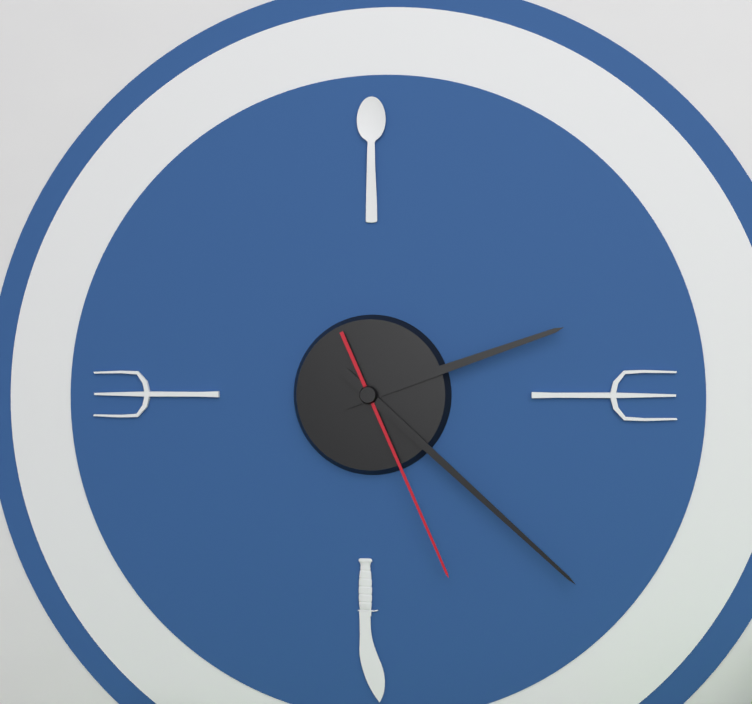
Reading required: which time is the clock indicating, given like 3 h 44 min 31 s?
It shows 2 h 22 min 26 s
